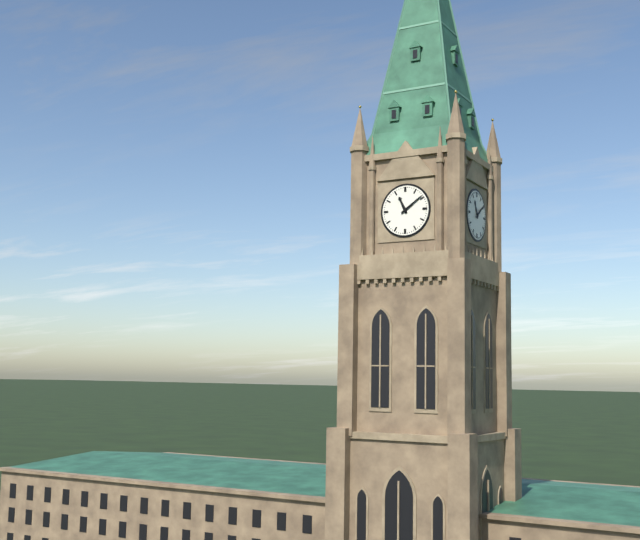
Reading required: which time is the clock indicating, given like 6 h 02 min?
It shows 11 h 09 min
